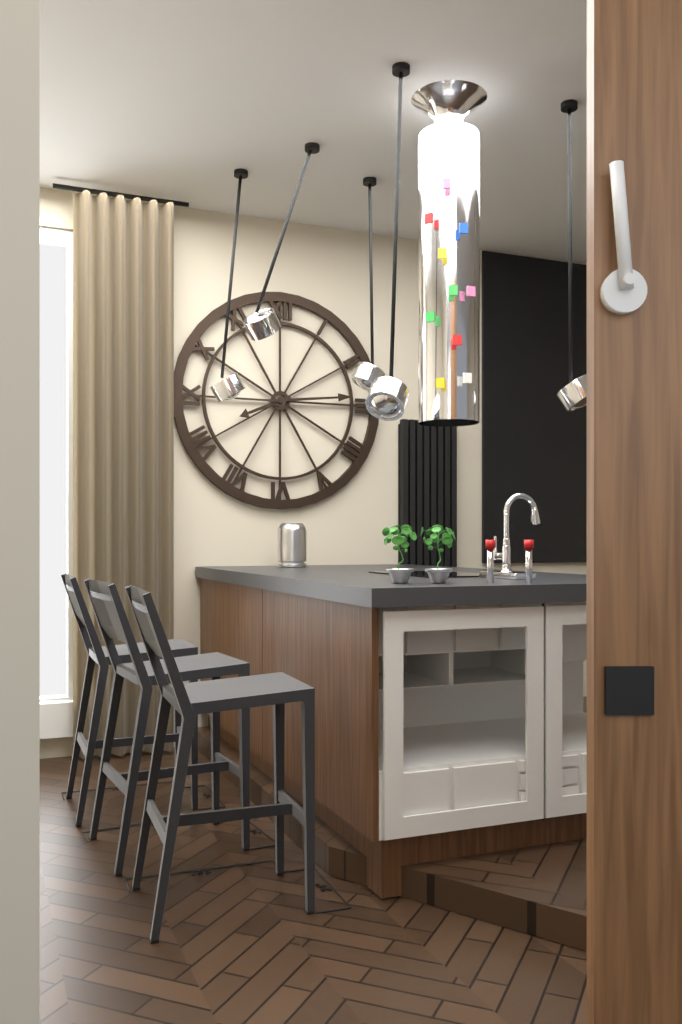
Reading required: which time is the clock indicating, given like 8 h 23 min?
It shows 8 h 14 min
